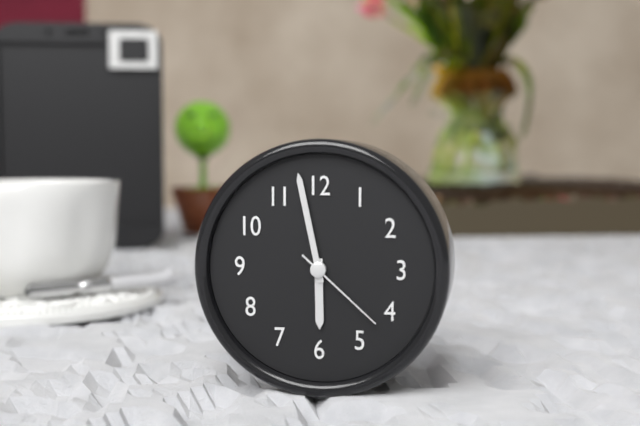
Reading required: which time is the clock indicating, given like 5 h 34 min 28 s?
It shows 5 h 58 min 22 s
